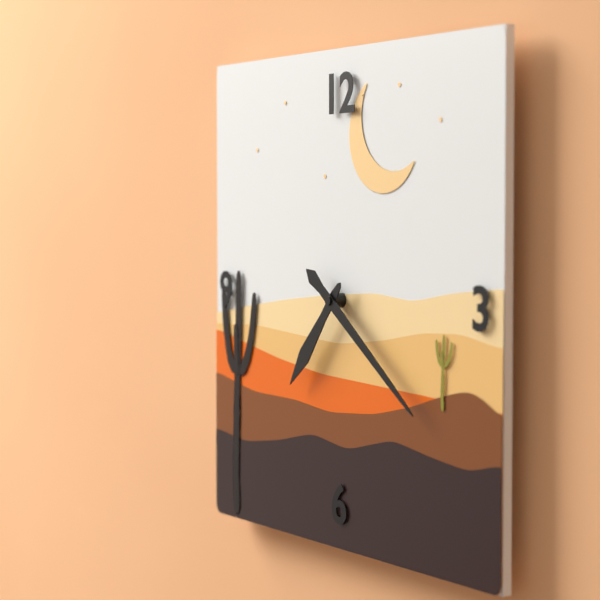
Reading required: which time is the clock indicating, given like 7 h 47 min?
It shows 7 h 21 min
